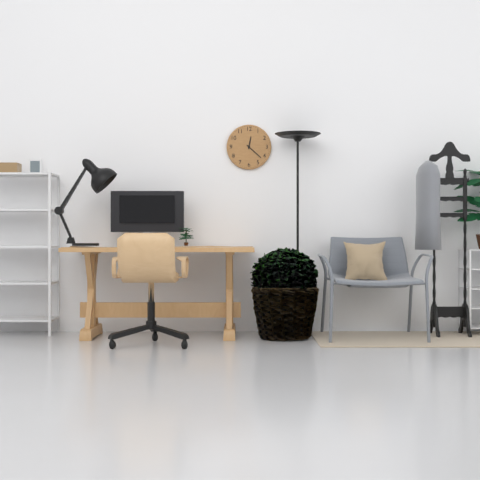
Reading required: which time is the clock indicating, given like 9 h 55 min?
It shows 12 h 22 min
